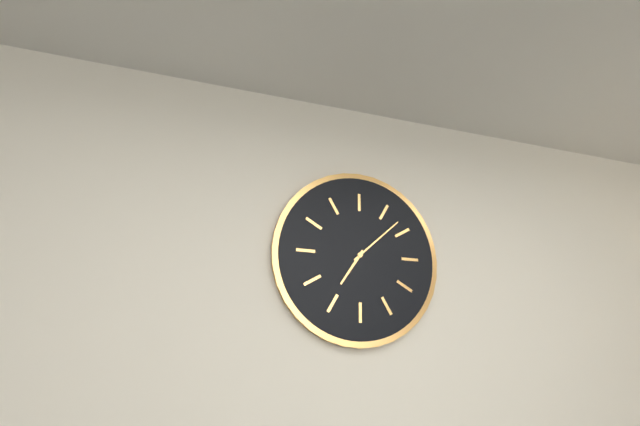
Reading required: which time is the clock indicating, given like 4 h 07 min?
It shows 7 h 08 min
